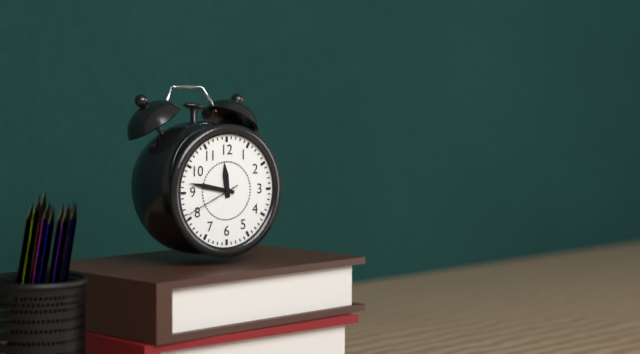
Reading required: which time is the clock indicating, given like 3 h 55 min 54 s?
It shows 11 h 47 min 41 s
